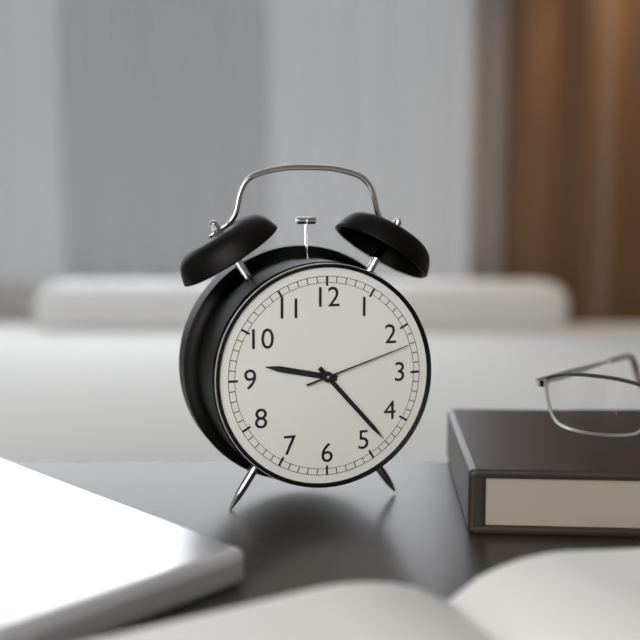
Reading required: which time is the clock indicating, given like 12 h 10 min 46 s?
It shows 9 h 23 min 12 s
